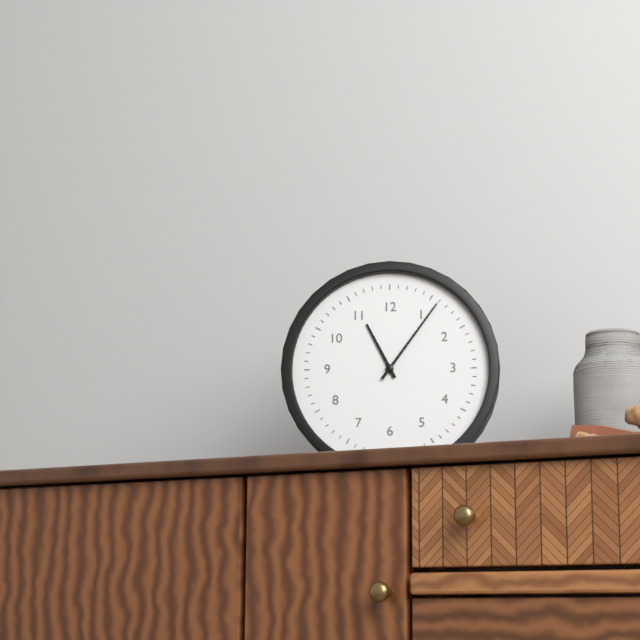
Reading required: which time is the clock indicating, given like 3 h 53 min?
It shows 11 h 06 min
